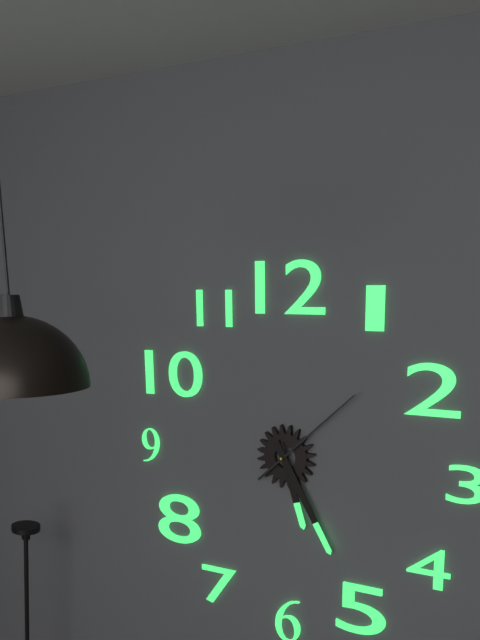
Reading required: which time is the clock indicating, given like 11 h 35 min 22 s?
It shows 5 h 25 min 08 s
